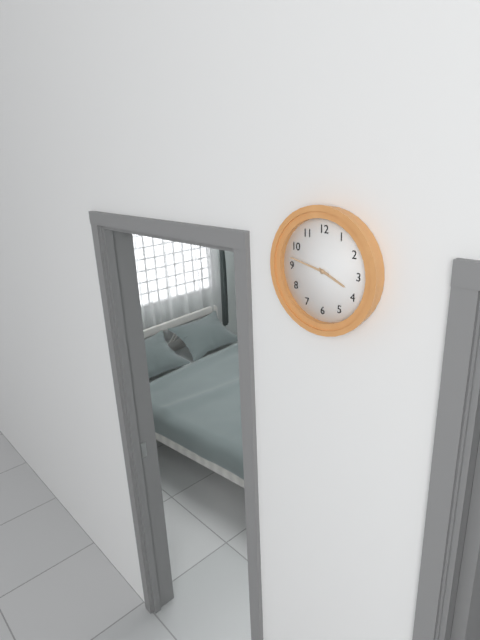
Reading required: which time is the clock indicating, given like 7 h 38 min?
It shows 3 h 47 min
